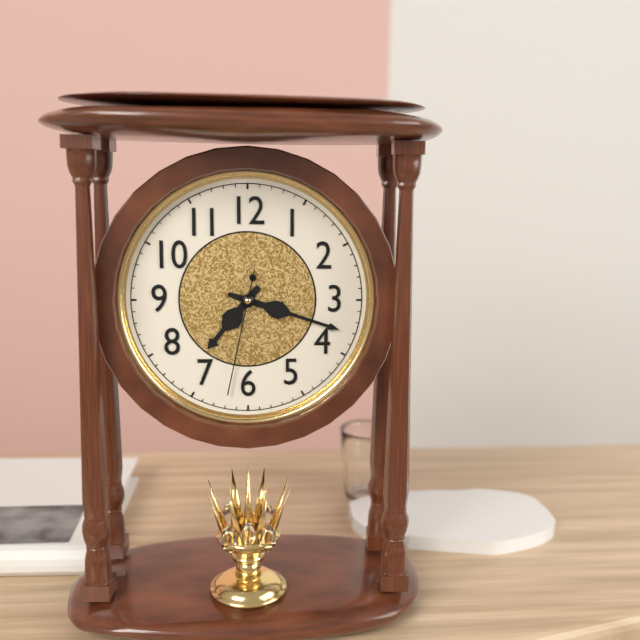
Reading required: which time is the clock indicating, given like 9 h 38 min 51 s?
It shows 7 h 18 min 32 s
